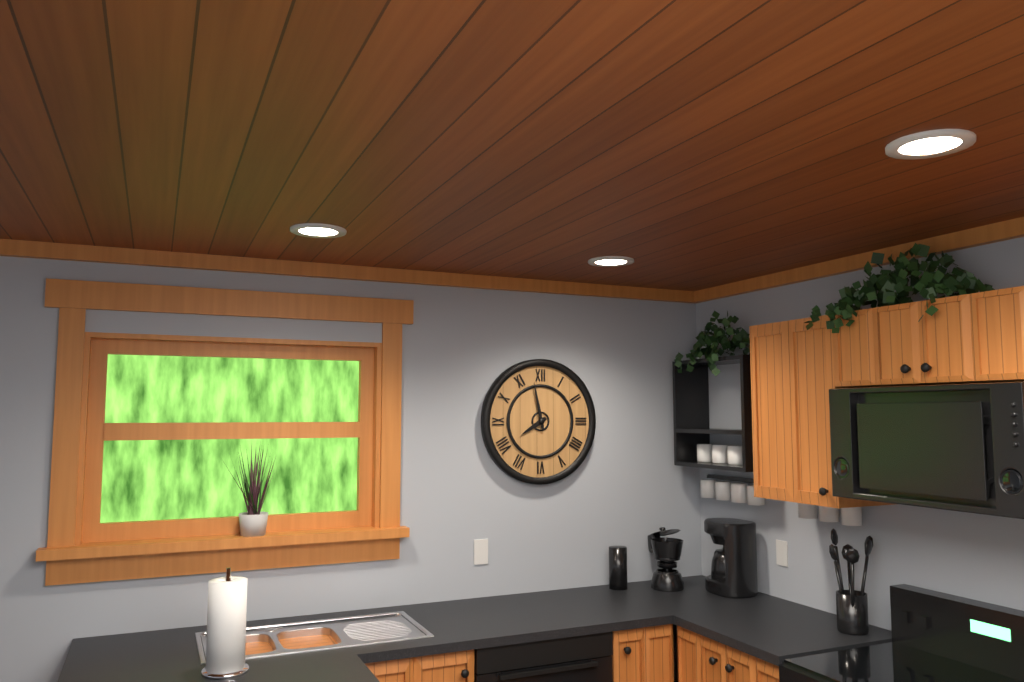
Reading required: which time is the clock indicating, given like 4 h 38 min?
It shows 7 h 58 min
